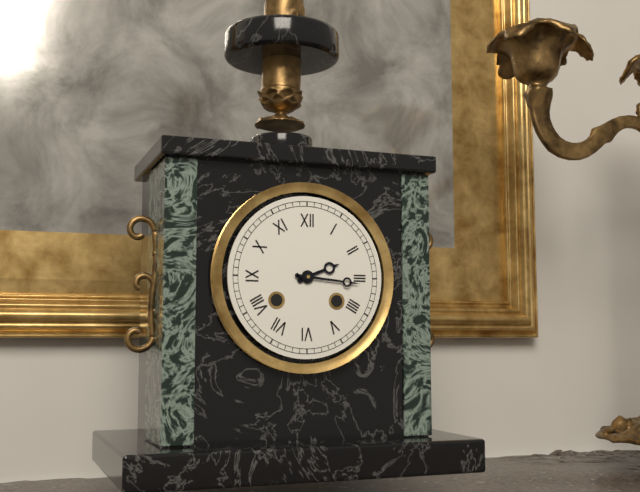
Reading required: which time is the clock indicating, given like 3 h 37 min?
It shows 2 h 16 min
